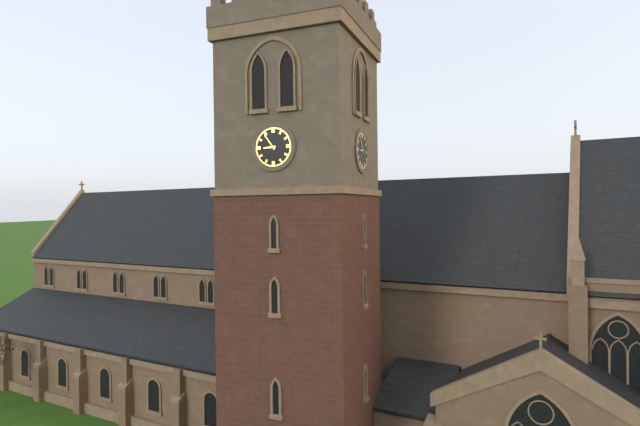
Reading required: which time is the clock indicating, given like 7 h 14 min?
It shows 8 h 54 min
